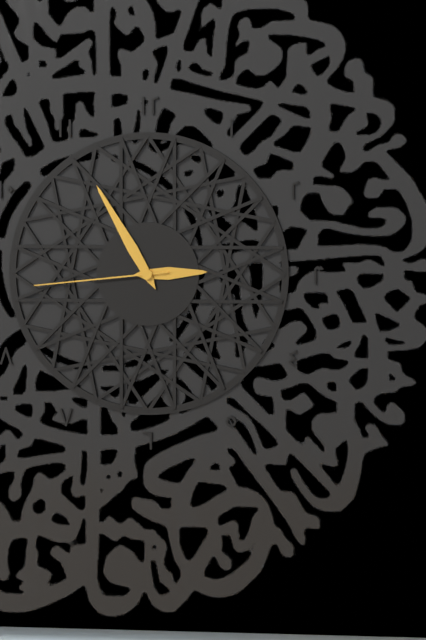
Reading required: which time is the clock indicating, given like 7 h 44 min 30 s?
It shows 2 h 55 min 44 s
